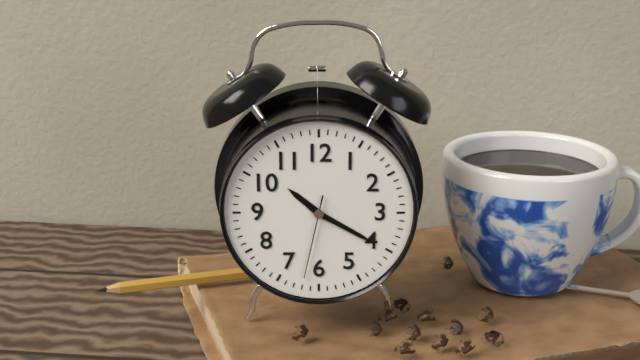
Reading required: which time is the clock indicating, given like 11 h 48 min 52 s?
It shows 10 h 20 min 32 s
